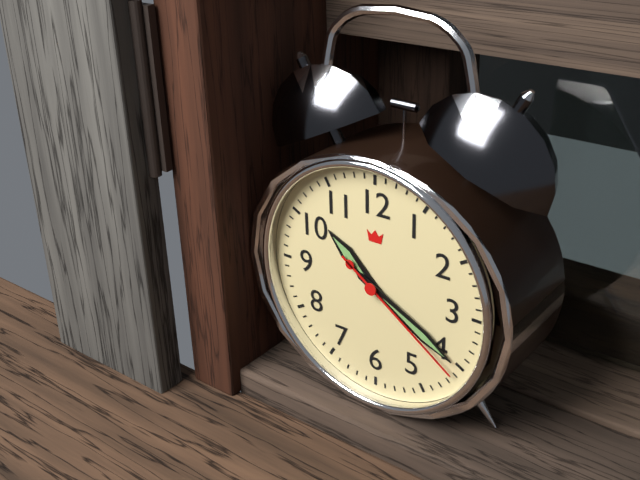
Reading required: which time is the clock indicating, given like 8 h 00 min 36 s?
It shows 10 h 20 min 21 s
